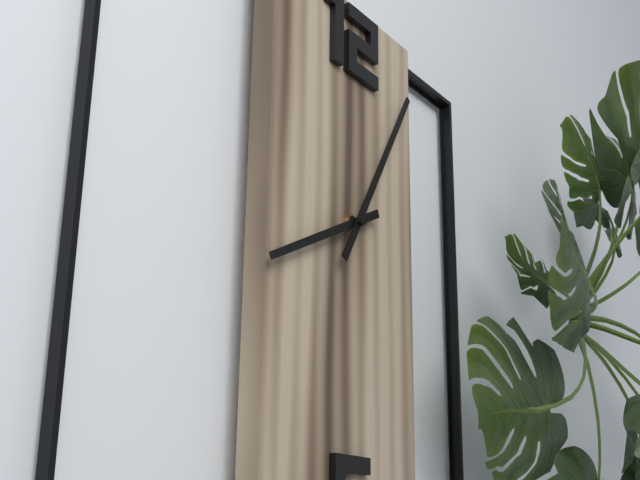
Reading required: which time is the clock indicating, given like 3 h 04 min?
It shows 8 h 05 min
